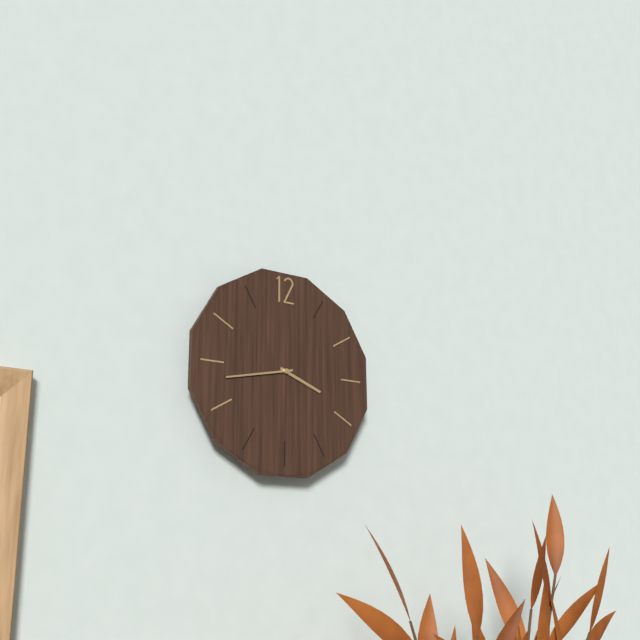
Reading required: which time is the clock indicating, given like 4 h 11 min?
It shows 3 h 43 min
